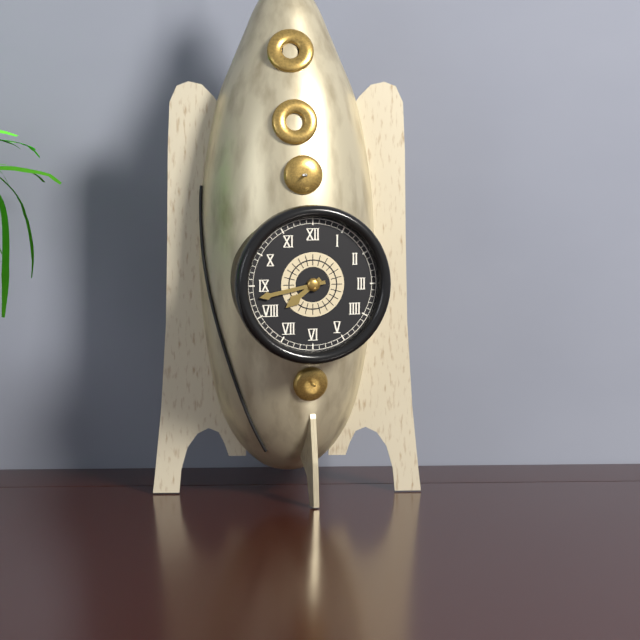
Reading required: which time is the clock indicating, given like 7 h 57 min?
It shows 7 h 43 min
